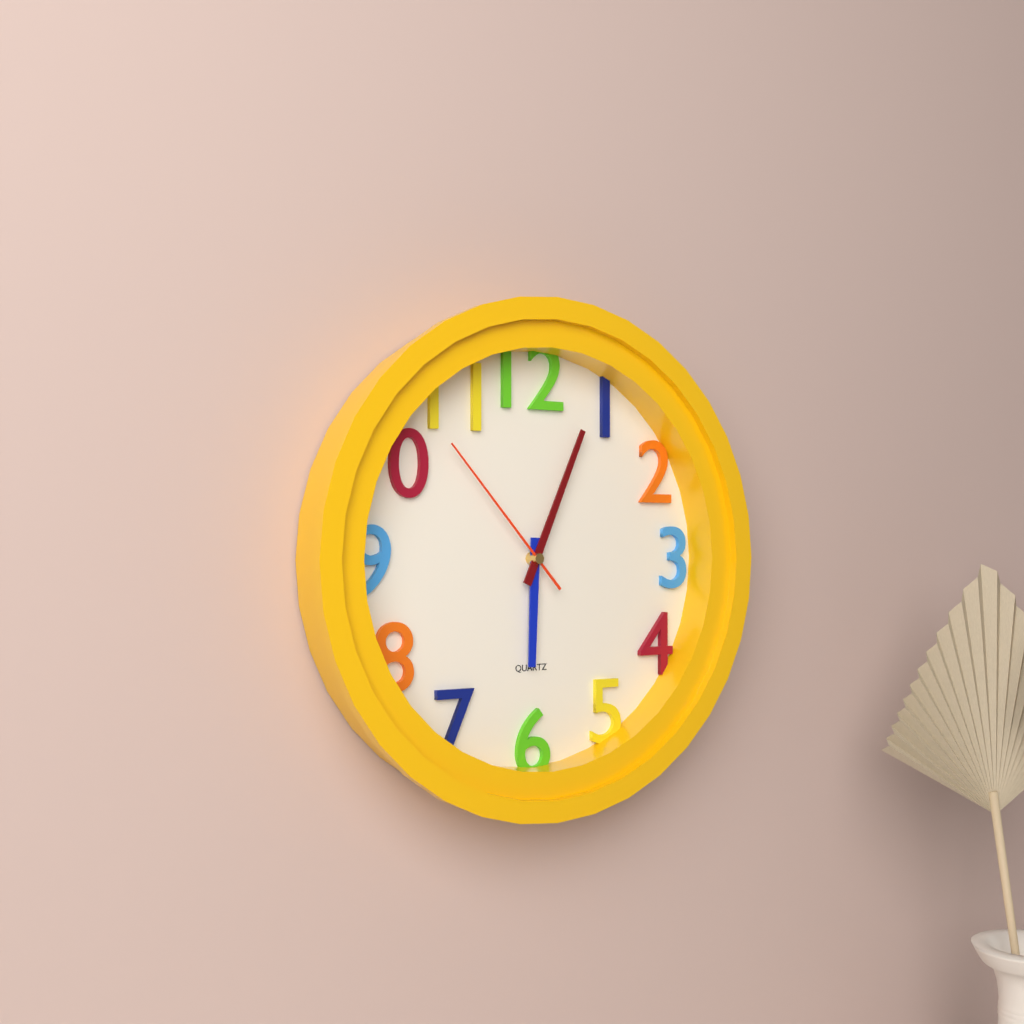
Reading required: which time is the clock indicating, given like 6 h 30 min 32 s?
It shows 6 h 04 min 53 s
